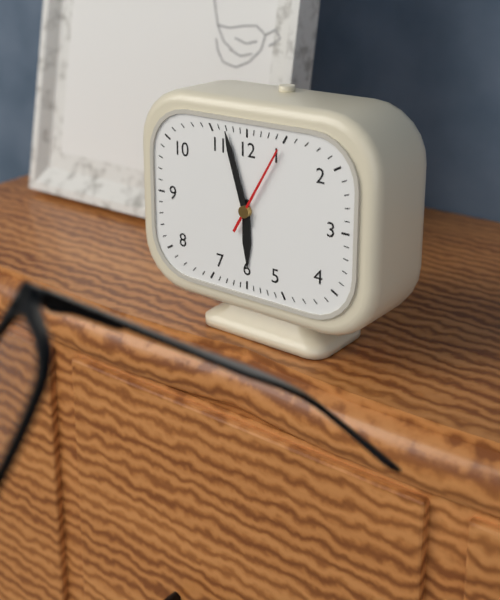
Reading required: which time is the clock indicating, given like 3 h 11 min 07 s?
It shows 5 h 57 min 05 s
